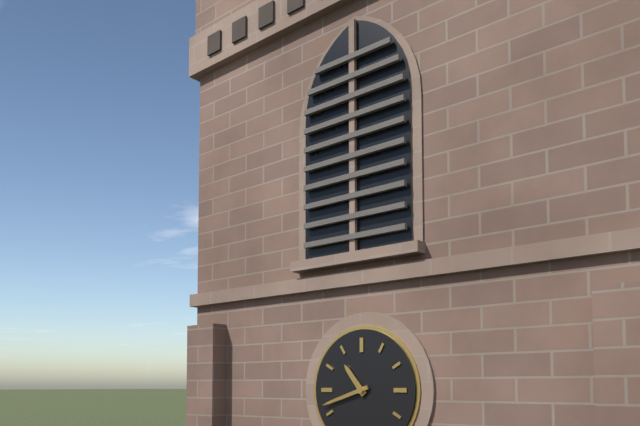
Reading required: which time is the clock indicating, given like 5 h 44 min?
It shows 10 h 42 min
